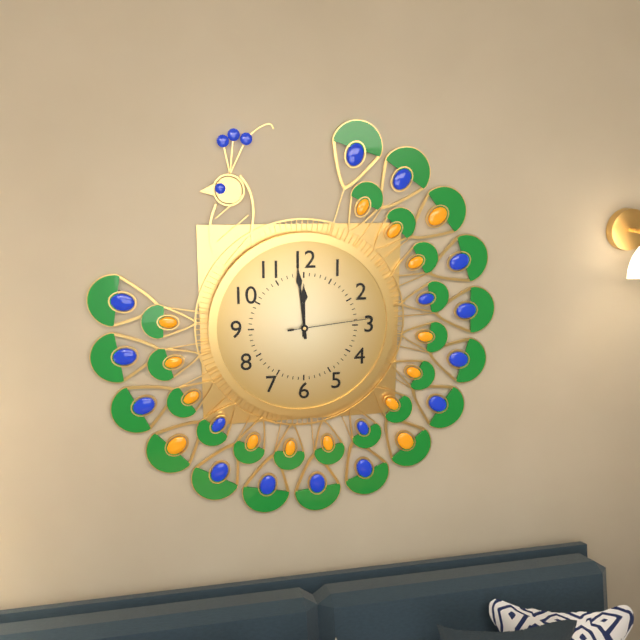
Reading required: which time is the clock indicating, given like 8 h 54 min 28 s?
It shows 11 h 59 min 14 s
